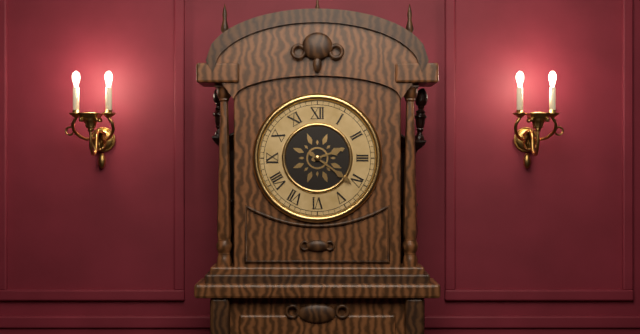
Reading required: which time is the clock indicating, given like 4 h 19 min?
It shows 2 h 21 min
